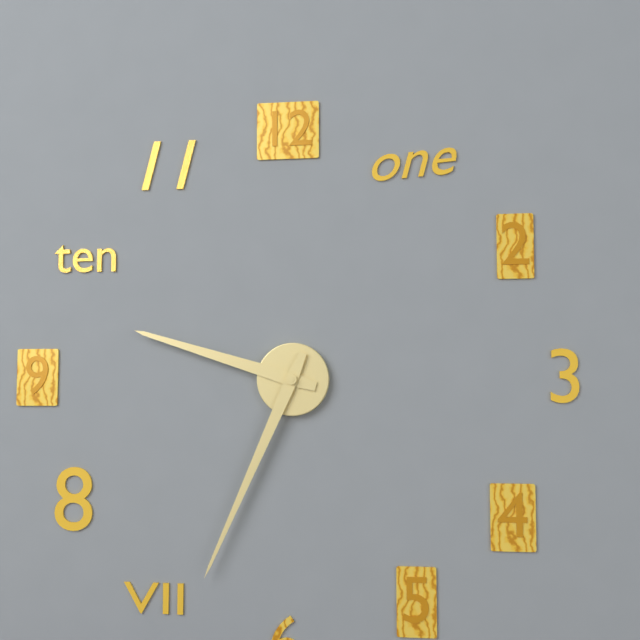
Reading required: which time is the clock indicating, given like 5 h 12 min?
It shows 9 h 34 min
